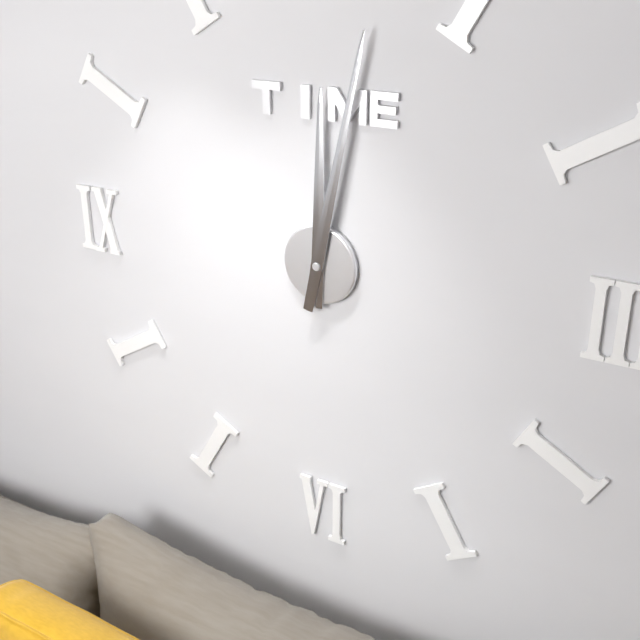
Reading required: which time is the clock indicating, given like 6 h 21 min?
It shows 12 h 02 min
